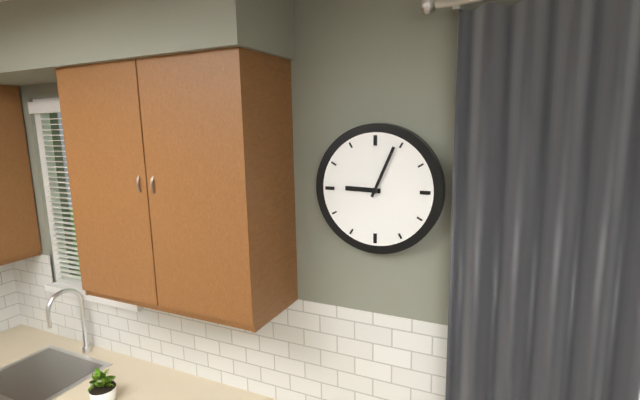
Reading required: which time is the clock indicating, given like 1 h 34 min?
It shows 9 h 04 min
